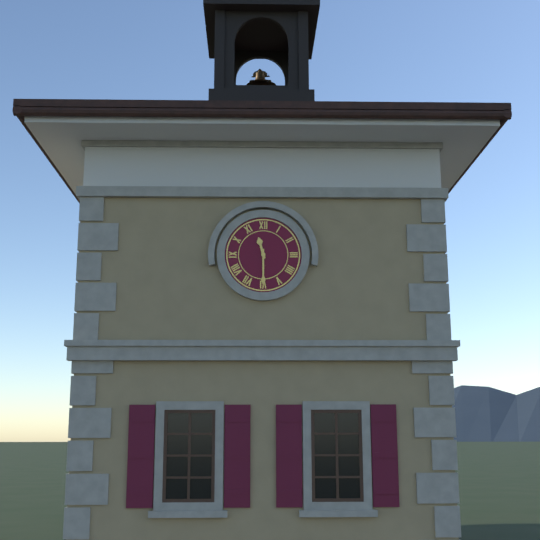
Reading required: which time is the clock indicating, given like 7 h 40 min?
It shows 11 h 30 min
